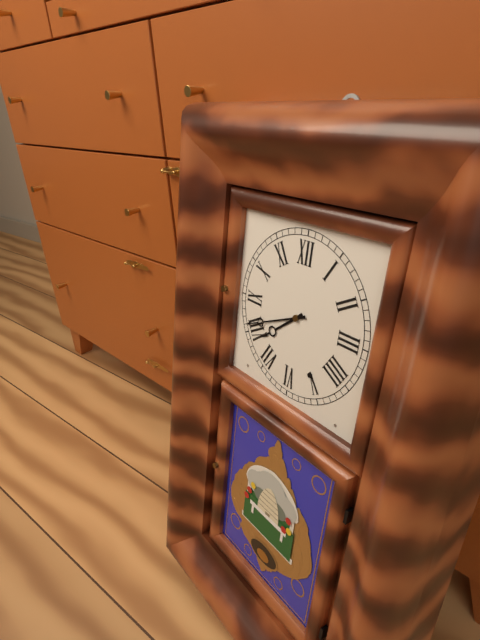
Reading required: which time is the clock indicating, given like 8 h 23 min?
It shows 7 h 41 min
